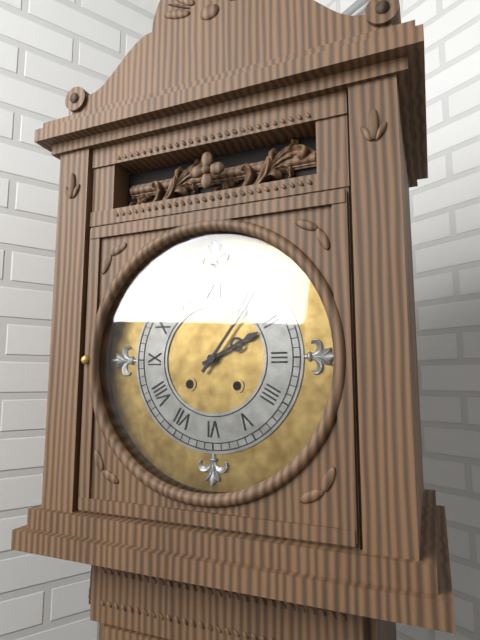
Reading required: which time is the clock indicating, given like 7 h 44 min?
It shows 2 h 06 min
